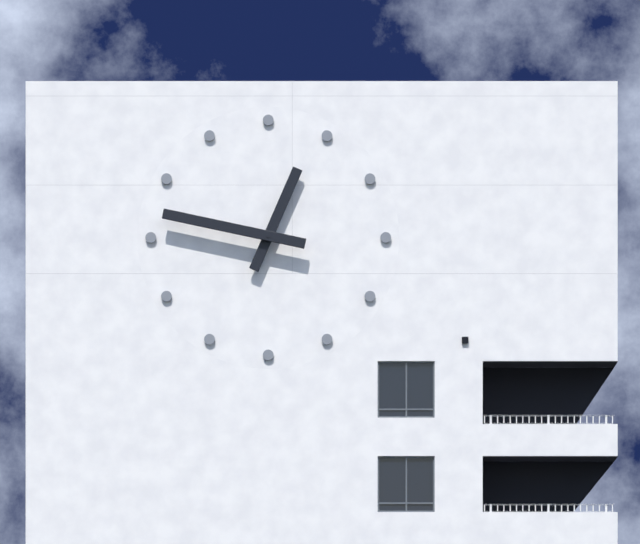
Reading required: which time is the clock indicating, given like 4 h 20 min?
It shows 12 h 47 min
